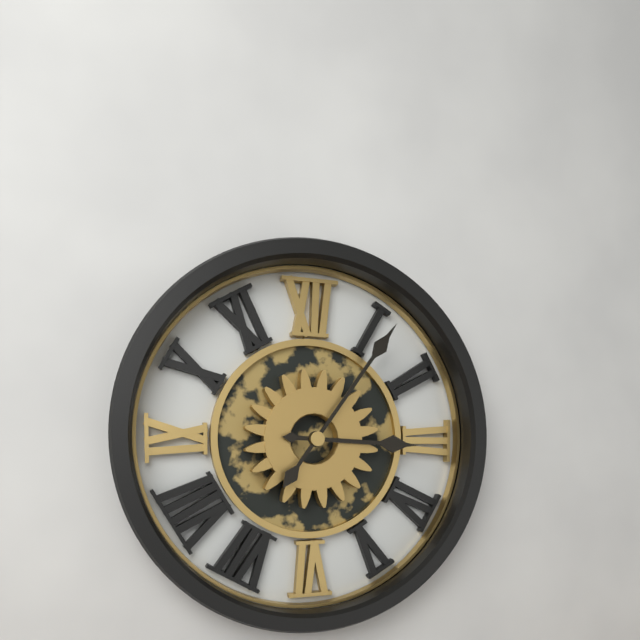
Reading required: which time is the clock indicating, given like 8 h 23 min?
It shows 3 h 06 min
